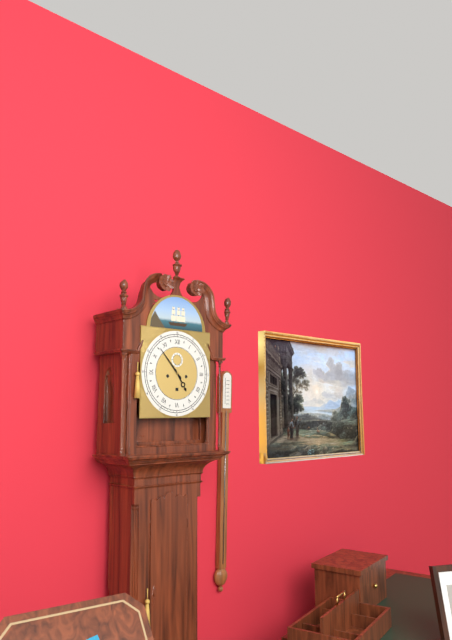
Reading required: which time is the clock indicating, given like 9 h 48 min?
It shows 4 h 53 min
